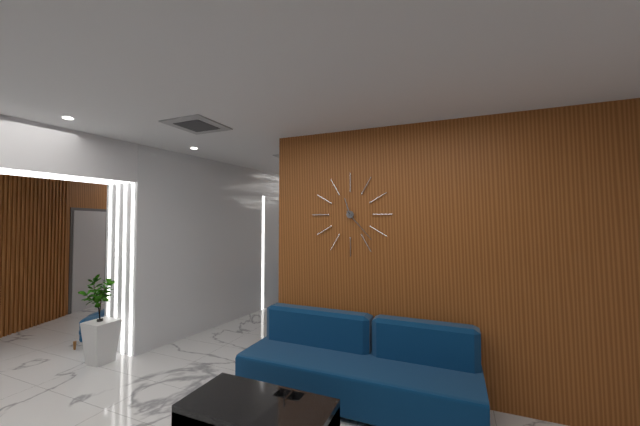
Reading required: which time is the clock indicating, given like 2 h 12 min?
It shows 11 h 23 min
